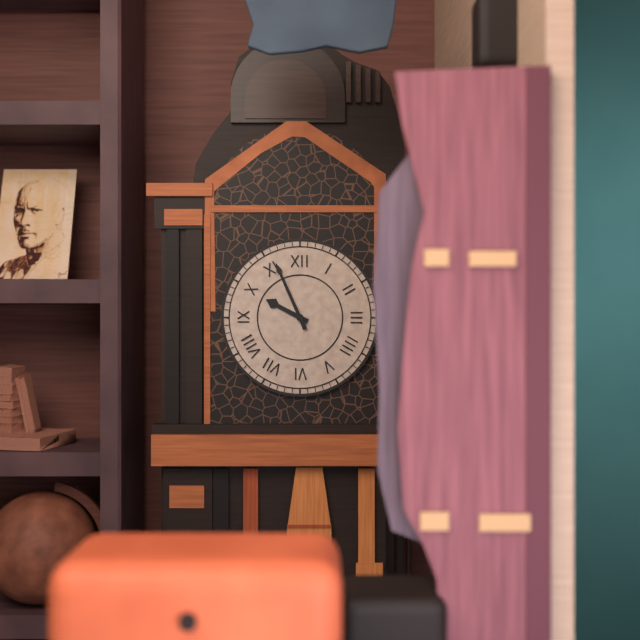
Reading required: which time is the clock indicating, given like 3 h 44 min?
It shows 9 h 56 min
